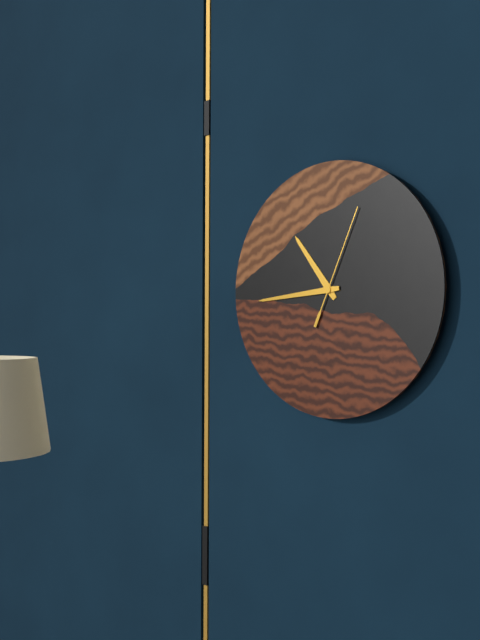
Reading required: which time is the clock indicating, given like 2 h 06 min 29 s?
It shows 10 h 44 min 04 s
